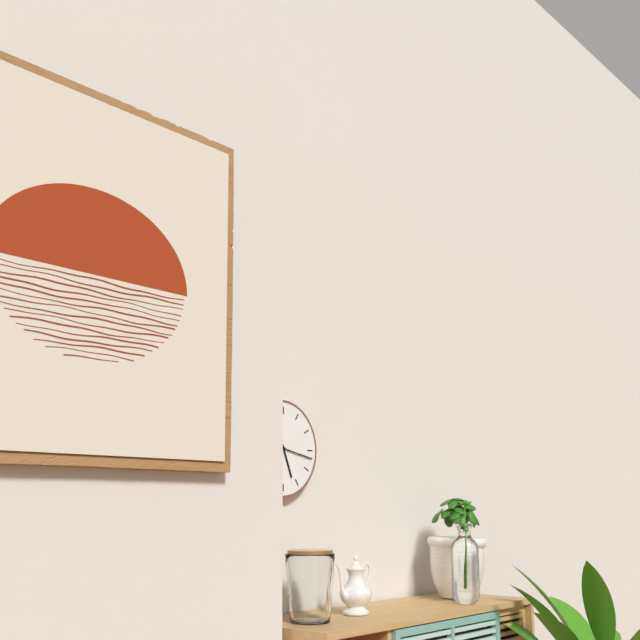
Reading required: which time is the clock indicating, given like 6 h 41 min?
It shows 5 h 17 min
